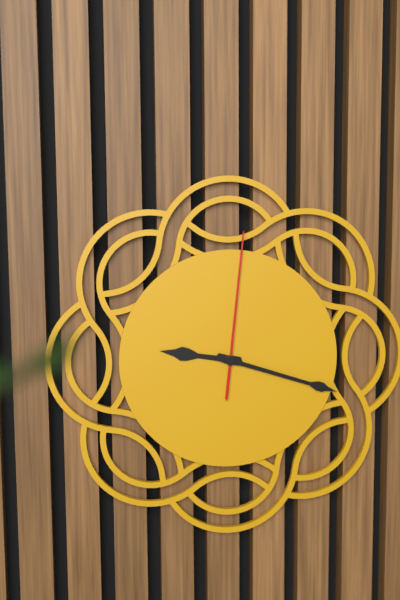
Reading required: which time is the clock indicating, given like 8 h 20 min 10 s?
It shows 9 h 18 min 01 s
